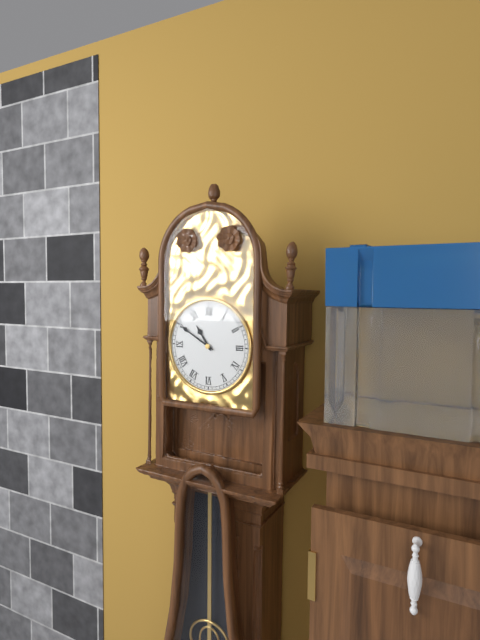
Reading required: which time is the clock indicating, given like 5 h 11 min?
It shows 10 h 50 min
